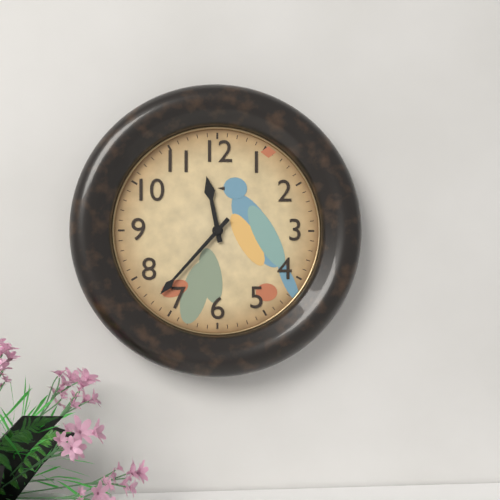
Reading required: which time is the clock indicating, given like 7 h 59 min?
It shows 11 h 37 min
